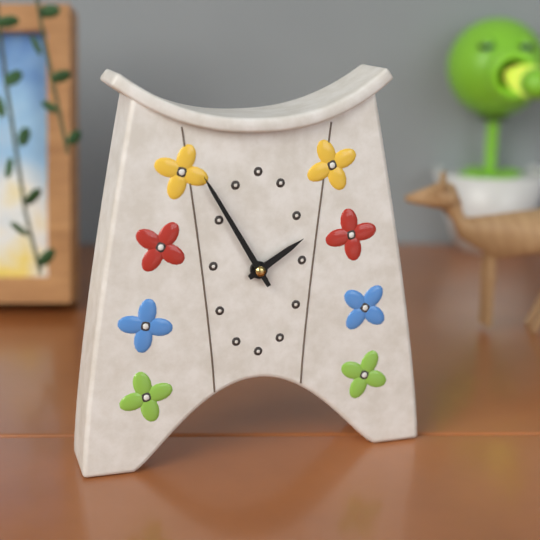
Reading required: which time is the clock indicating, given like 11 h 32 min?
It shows 1 h 55 min
